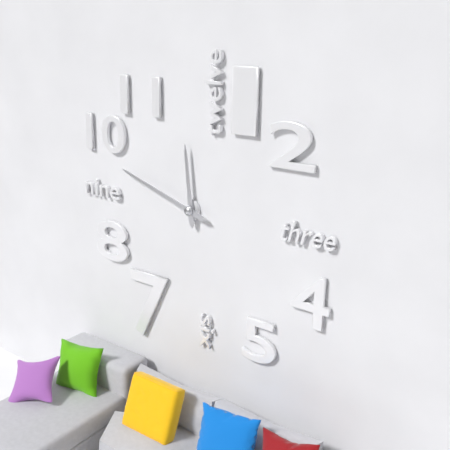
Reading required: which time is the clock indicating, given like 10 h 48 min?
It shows 11 h 48 min
